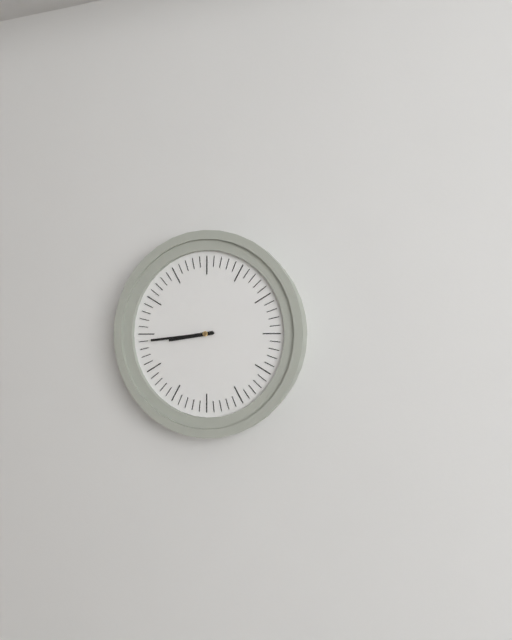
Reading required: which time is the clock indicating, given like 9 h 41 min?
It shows 8 h 44 min
